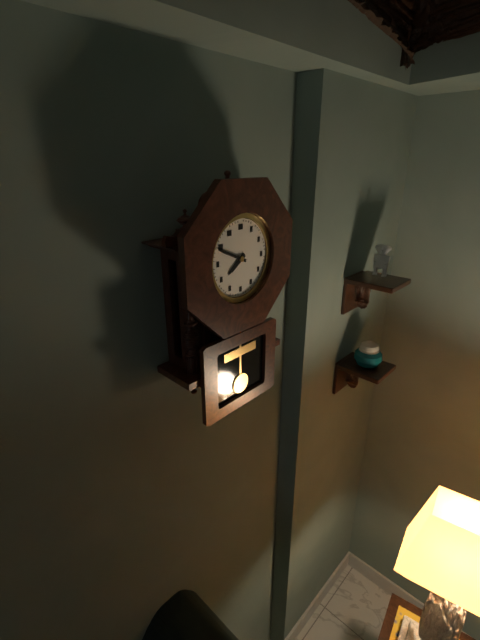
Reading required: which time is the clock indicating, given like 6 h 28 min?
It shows 7 h 49 min
